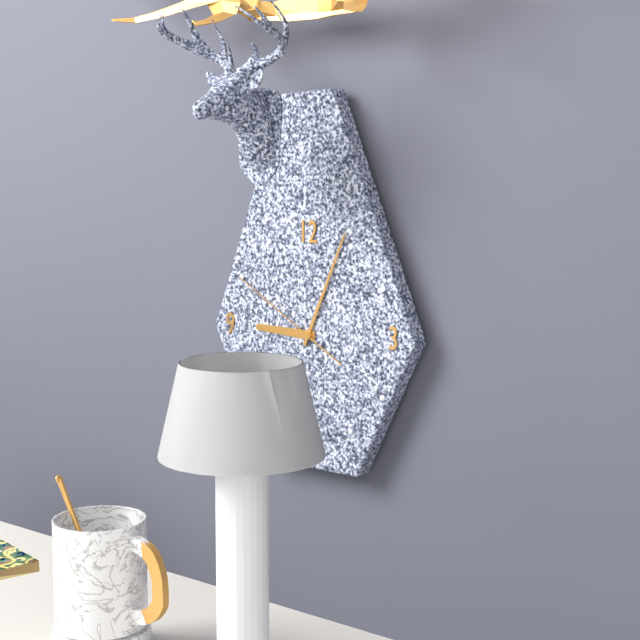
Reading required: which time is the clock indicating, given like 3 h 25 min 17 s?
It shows 9 h 04 min 50 s
